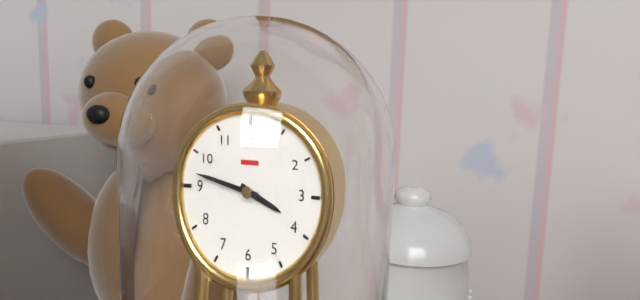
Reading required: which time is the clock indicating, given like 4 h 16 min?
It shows 3 h 47 min
